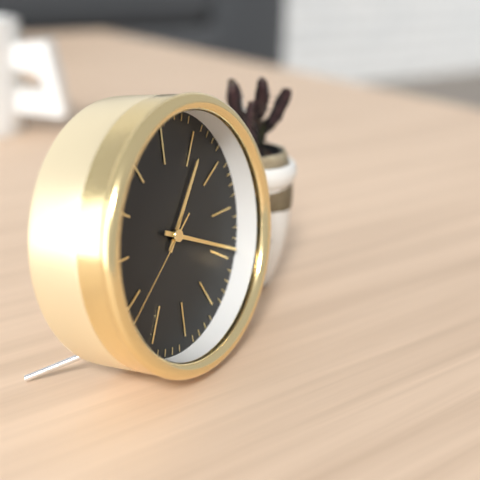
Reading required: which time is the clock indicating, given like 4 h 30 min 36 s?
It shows 1 h 19 min 39 s
